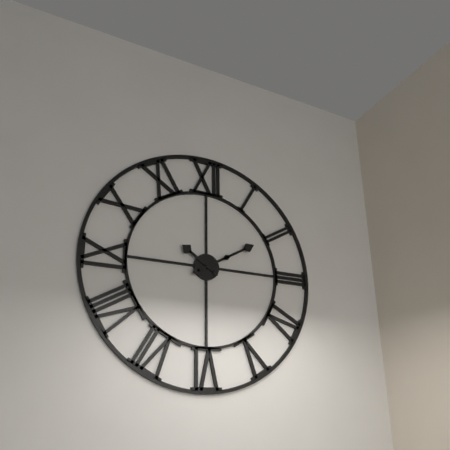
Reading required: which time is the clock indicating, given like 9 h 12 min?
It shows 10 h 10 min
